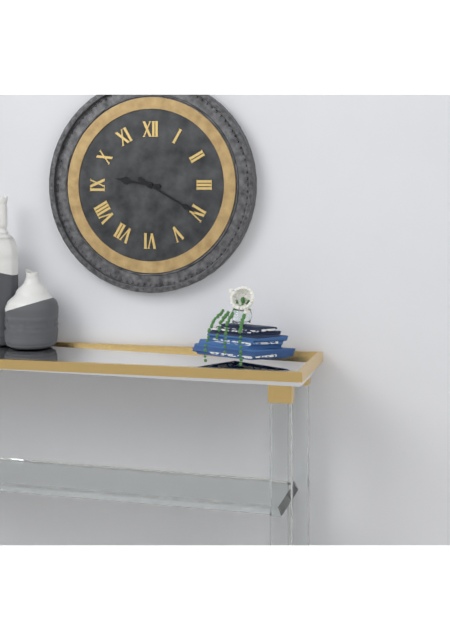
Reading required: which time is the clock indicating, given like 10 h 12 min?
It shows 9 h 20 min
